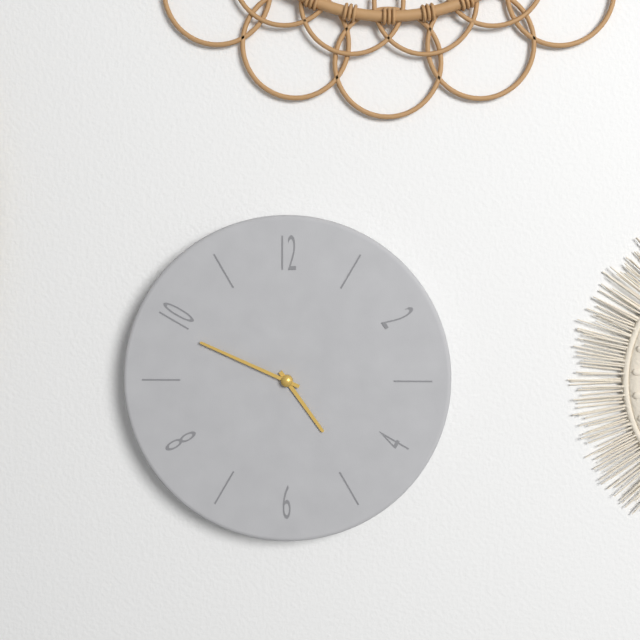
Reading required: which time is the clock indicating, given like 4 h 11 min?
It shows 4 h 49 min
